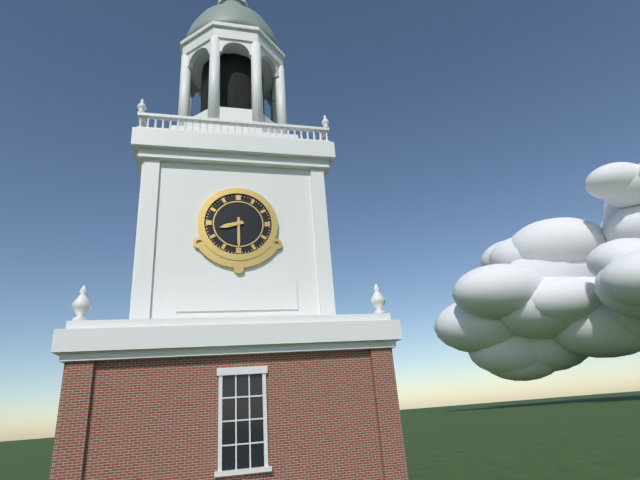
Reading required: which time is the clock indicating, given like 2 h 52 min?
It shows 8 h 30 min
